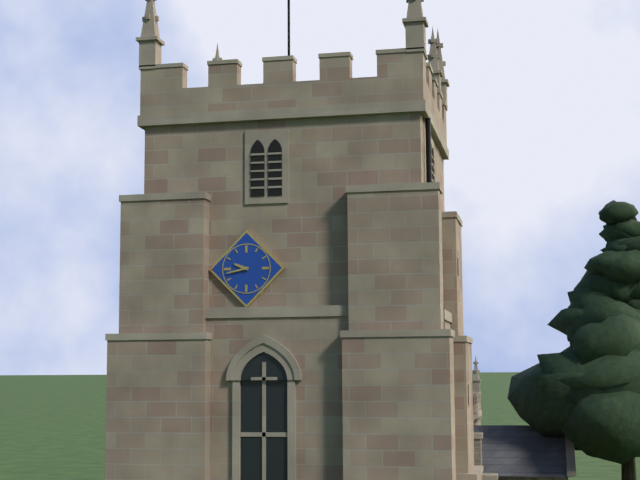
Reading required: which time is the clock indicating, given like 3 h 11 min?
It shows 9 h 43 min
